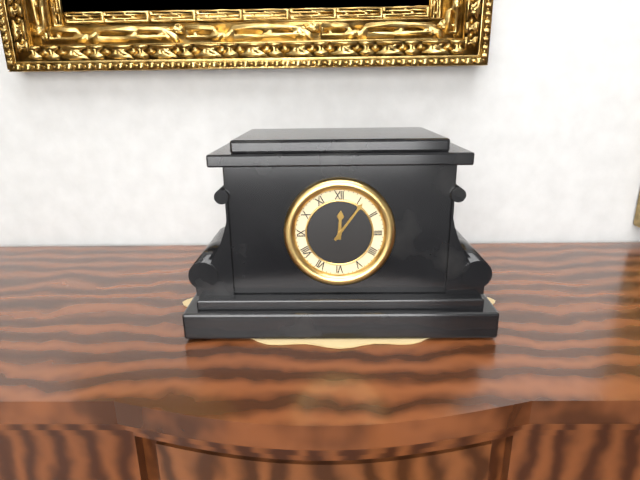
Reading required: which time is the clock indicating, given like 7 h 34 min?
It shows 12 h 06 min
